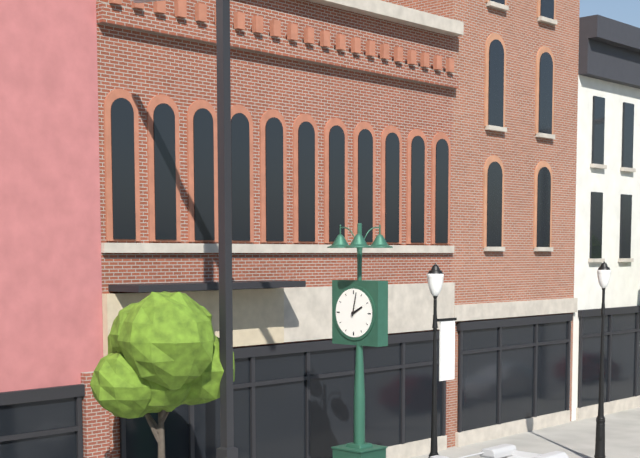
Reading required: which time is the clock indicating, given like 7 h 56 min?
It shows 2 h 02 min
